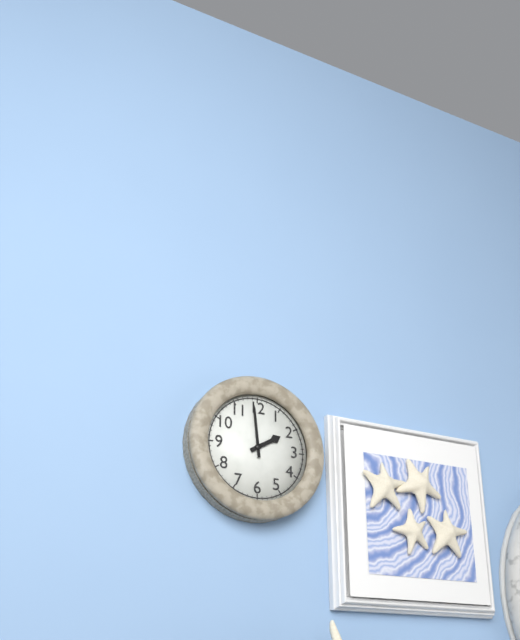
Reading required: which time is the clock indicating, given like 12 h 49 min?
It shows 1 h 59 min
